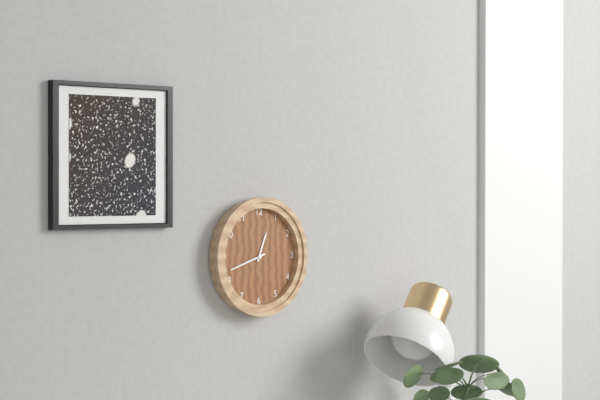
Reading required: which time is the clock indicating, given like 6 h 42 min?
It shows 12 h 42 min
